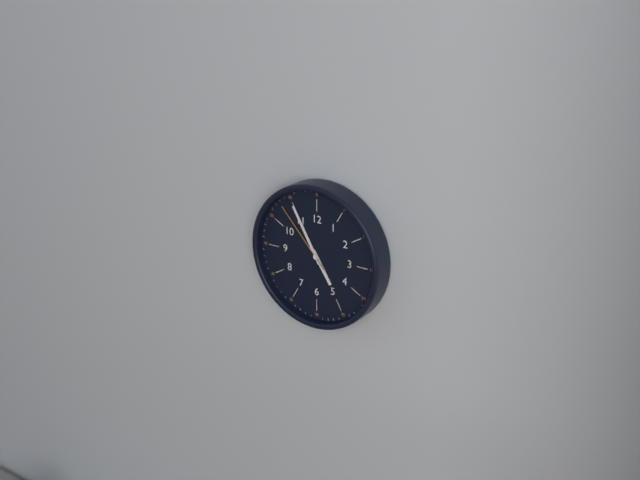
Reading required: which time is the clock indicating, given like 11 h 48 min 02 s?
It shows 4 h 55 min 53 s
